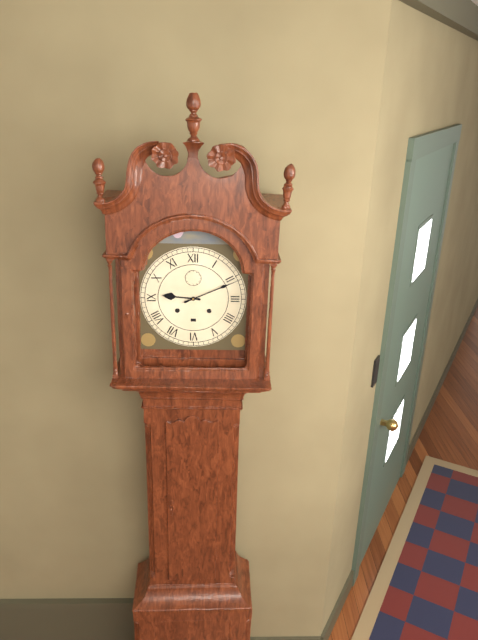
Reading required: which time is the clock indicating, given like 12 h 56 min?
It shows 9 h 11 min
